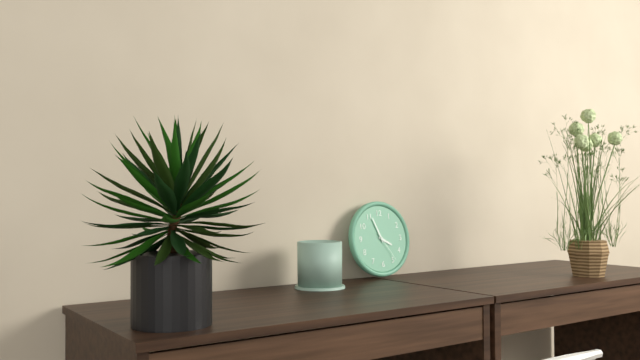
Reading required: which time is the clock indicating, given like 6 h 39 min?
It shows 3 h 56 min
